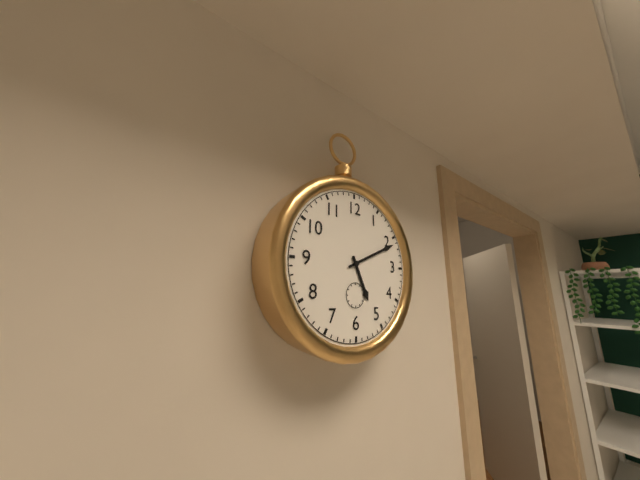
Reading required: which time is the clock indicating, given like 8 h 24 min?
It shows 5 h 11 min
